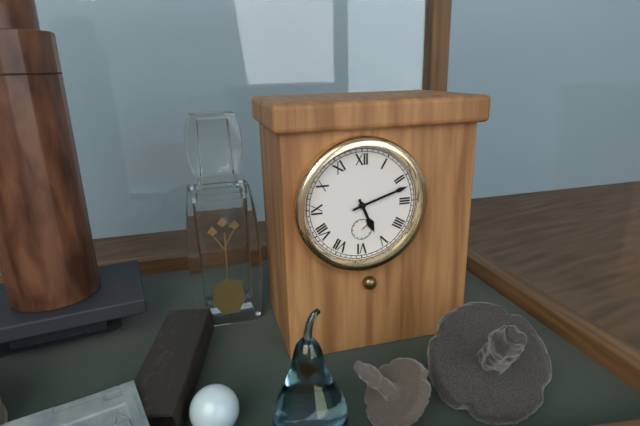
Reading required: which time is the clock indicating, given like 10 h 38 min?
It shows 5 h 12 min
